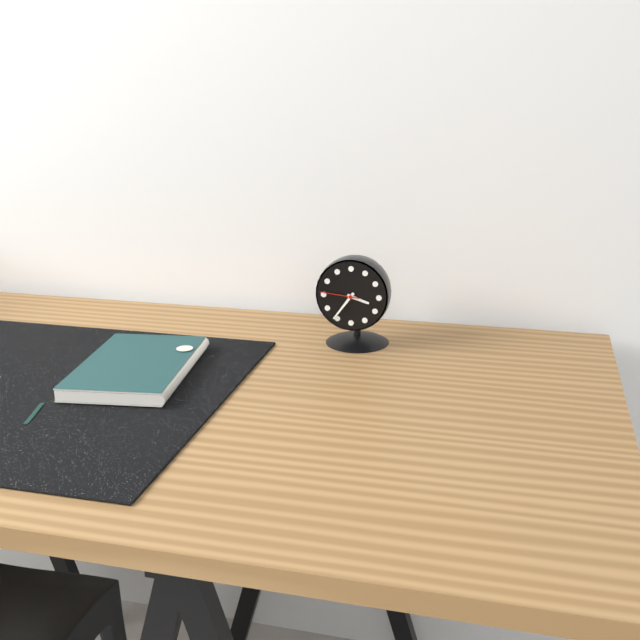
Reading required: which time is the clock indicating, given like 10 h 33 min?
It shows 3 h 36 min
